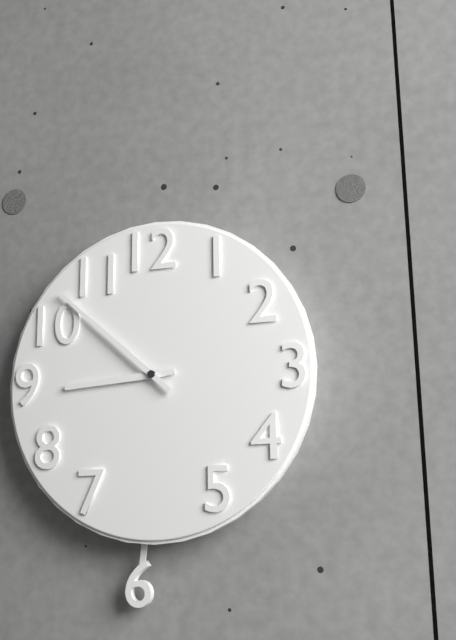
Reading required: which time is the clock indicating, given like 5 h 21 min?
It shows 8 h 52 min
